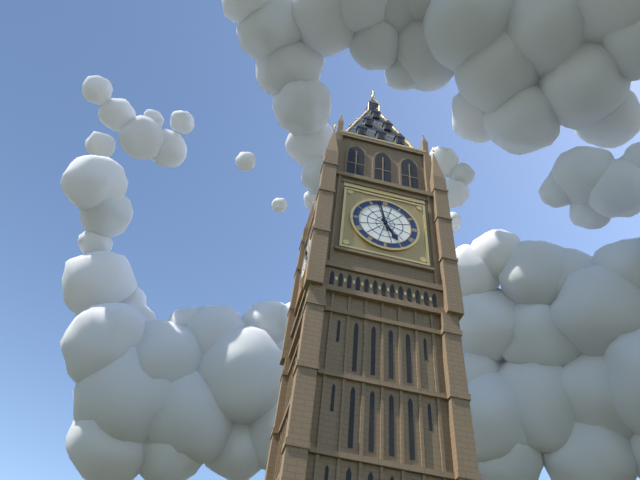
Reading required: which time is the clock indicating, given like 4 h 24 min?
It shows 4 h 58 min
